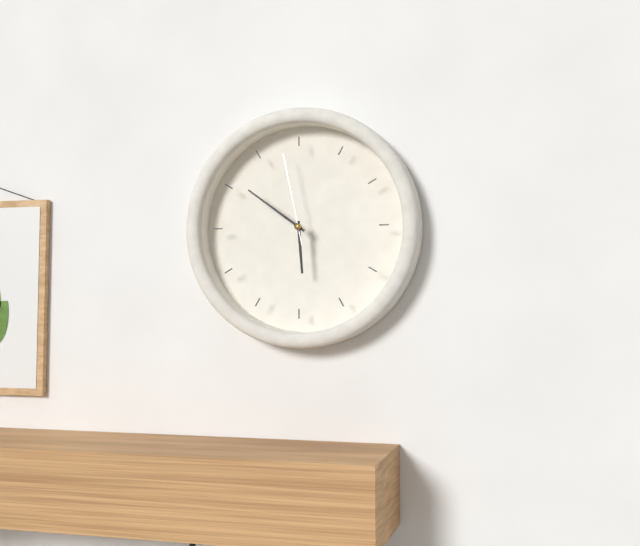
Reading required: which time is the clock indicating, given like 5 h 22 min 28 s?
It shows 5 h 51 min 58 s
